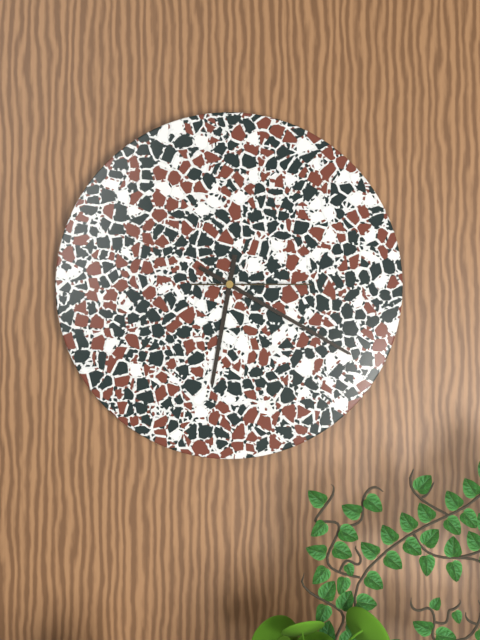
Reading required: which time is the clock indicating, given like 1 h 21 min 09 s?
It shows 6 h 20 min 15 s
